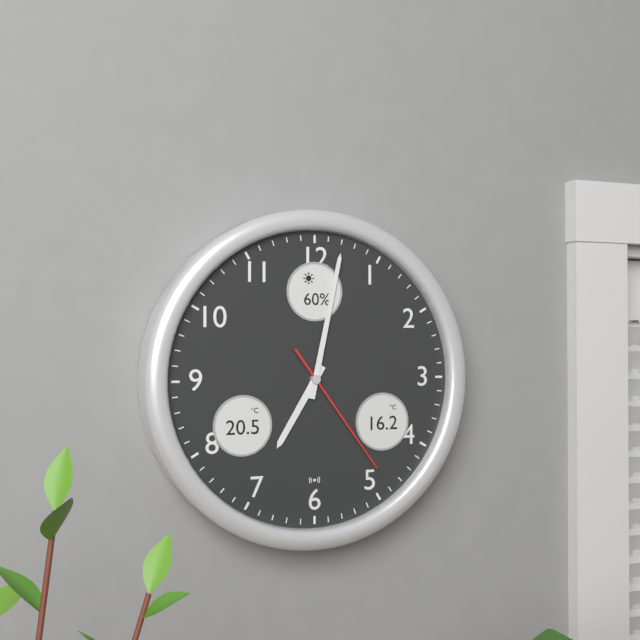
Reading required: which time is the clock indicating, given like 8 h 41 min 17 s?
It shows 7 h 02 min 24 s
